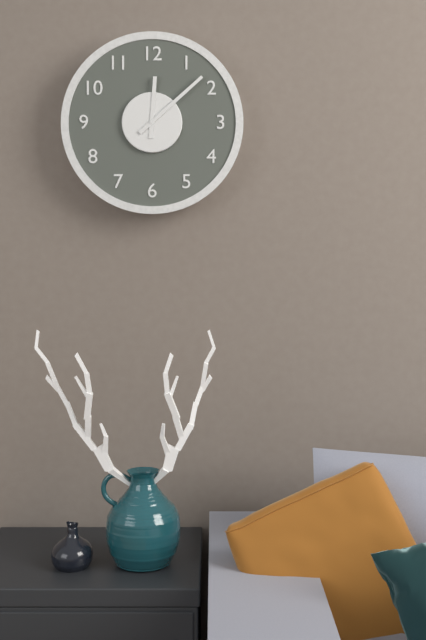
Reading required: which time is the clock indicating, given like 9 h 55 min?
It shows 12 h 08 min
